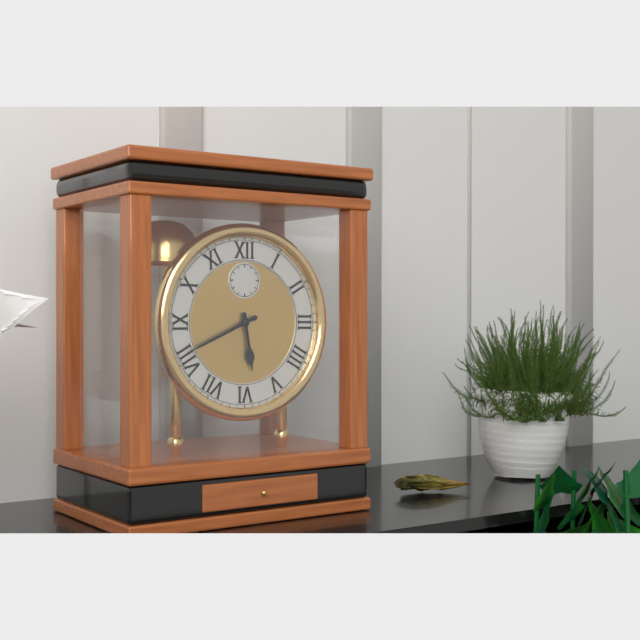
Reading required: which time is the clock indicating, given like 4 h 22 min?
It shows 5 h 41 min
